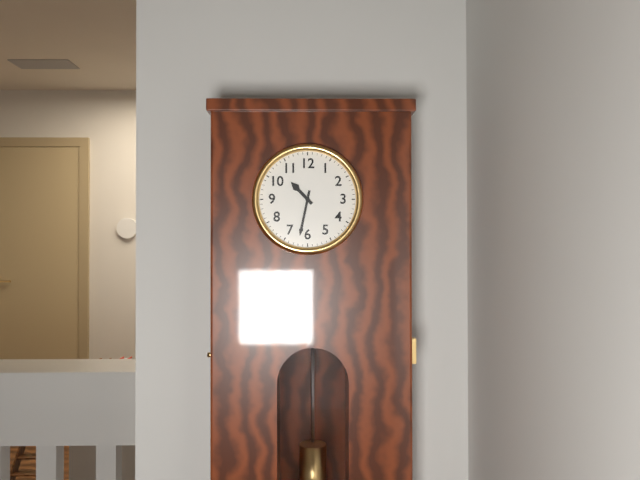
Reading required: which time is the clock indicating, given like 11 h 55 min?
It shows 10 h 32 min
